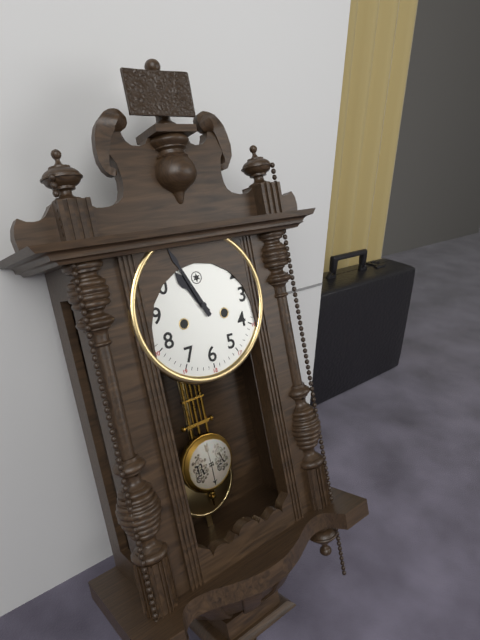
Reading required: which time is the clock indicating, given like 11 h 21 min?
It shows 10 h 56 min
